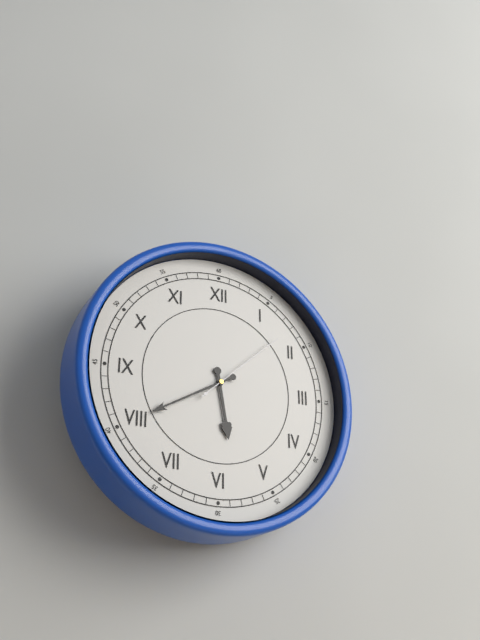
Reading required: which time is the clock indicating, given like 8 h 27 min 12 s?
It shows 5 h 40 min 08 s
